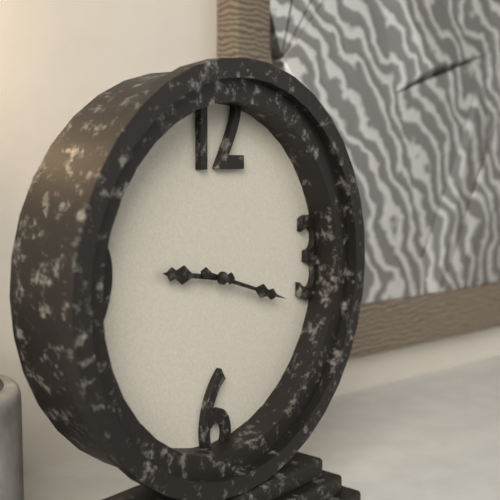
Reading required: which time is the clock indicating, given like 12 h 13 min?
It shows 9 h 18 min
